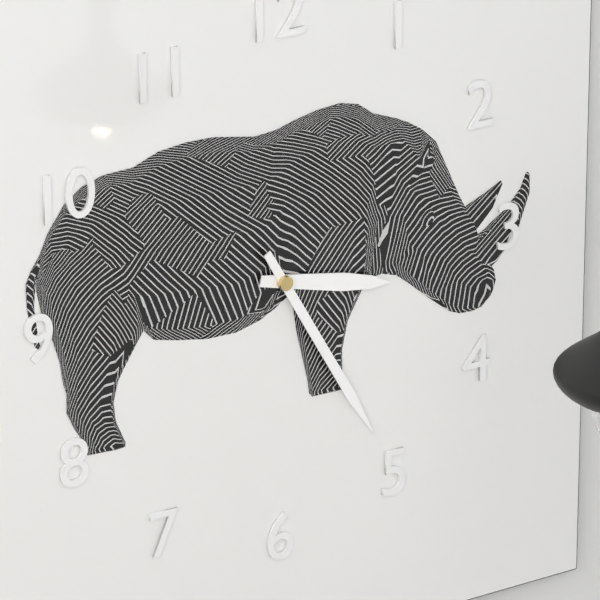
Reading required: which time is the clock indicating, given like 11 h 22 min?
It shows 3 h 25 min
